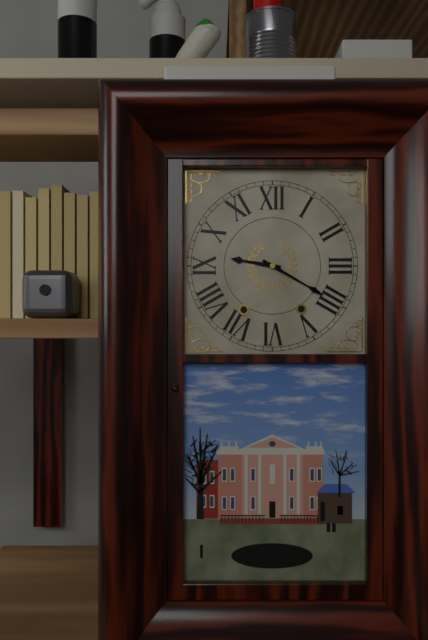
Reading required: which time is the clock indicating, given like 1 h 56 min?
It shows 9 h 20 min
